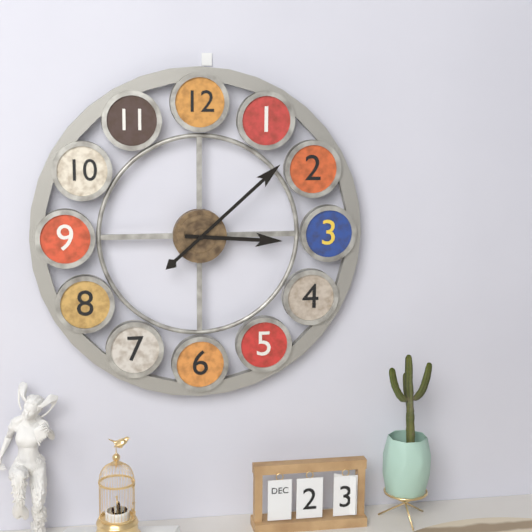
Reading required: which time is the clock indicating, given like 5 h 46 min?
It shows 3 h 08 min
